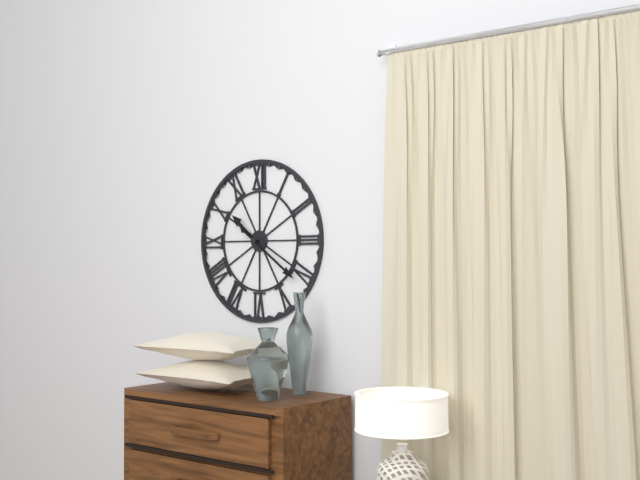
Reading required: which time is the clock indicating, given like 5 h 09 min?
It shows 10 h 21 min
